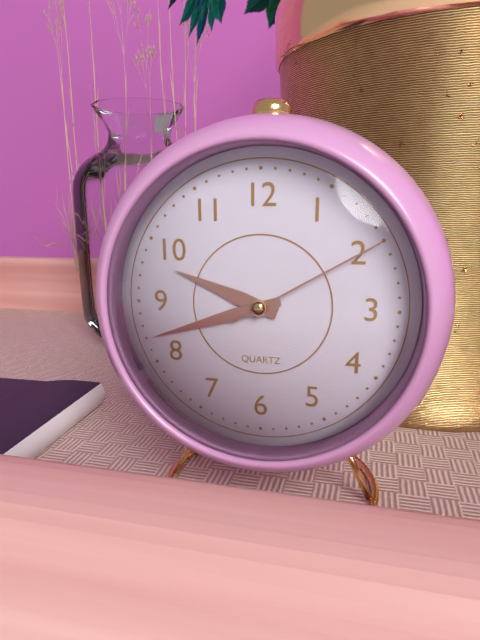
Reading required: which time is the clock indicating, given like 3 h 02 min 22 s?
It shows 9 h 42 min 10 s
